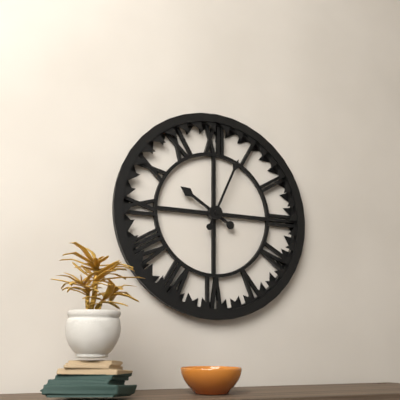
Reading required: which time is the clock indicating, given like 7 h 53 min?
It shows 10 h 04 min
